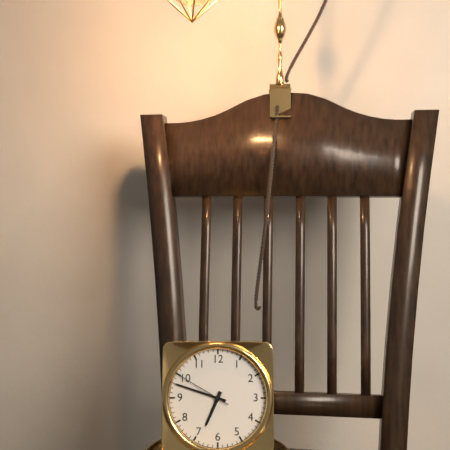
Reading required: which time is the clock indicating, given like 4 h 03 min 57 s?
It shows 6 h 48 min 50 s
